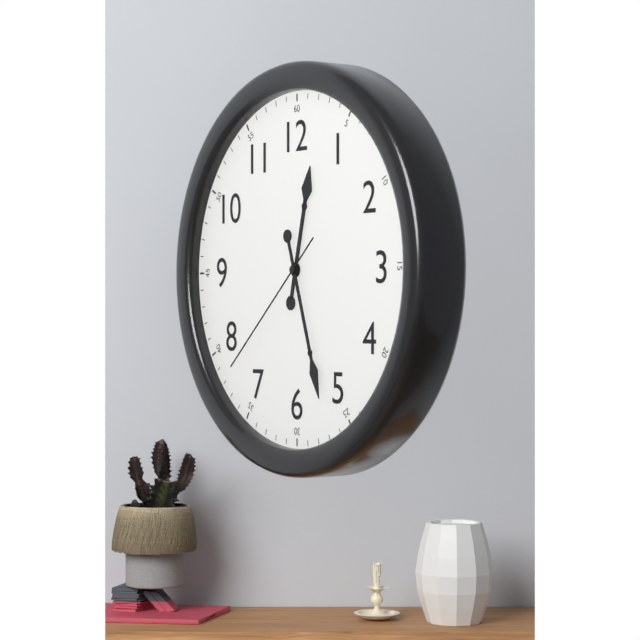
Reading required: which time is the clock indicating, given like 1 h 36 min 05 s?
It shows 12 h 27 min 38 s
